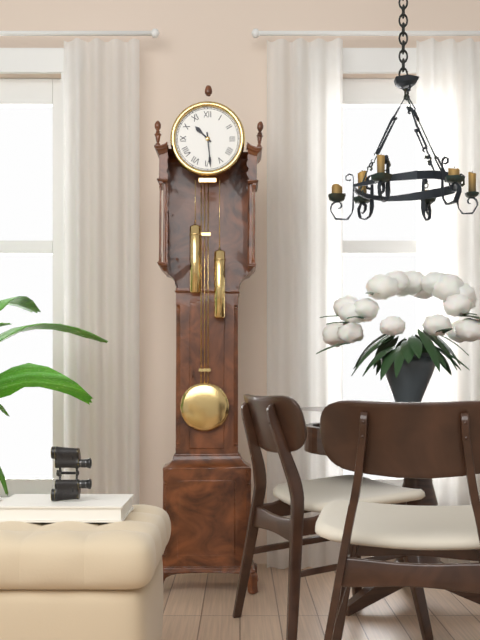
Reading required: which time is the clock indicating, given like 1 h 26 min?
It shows 10 h 29 min
